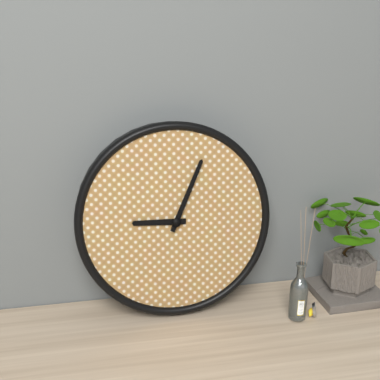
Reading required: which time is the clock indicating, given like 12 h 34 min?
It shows 9 h 04 min
